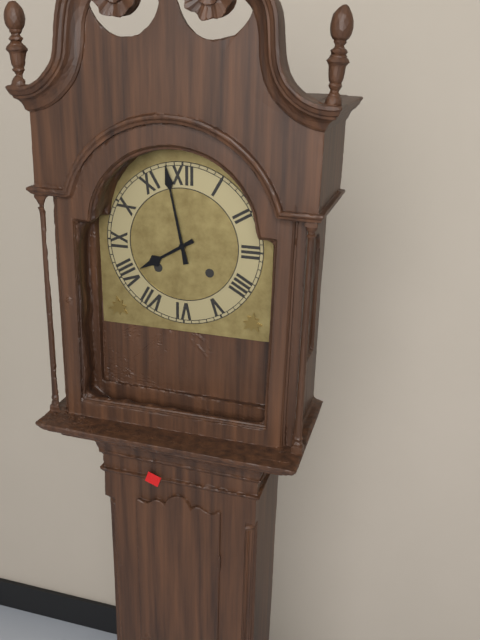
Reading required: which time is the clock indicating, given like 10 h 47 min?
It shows 7 h 58 min
